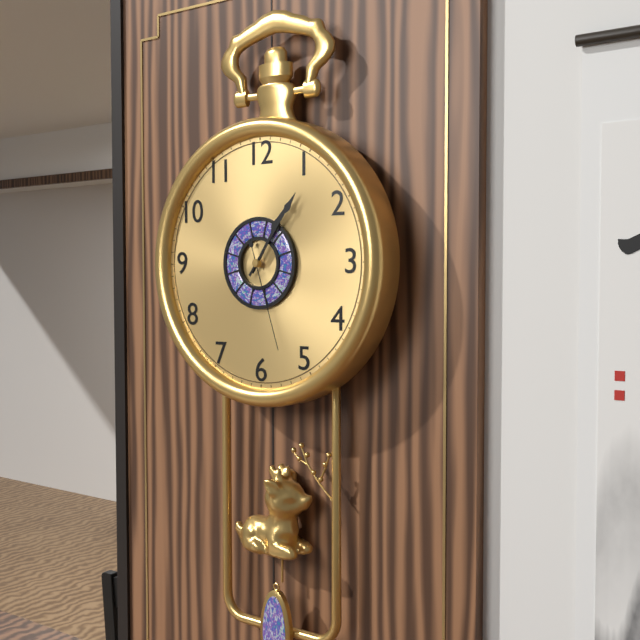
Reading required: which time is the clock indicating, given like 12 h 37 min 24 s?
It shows 1 h 06 min 27 s
